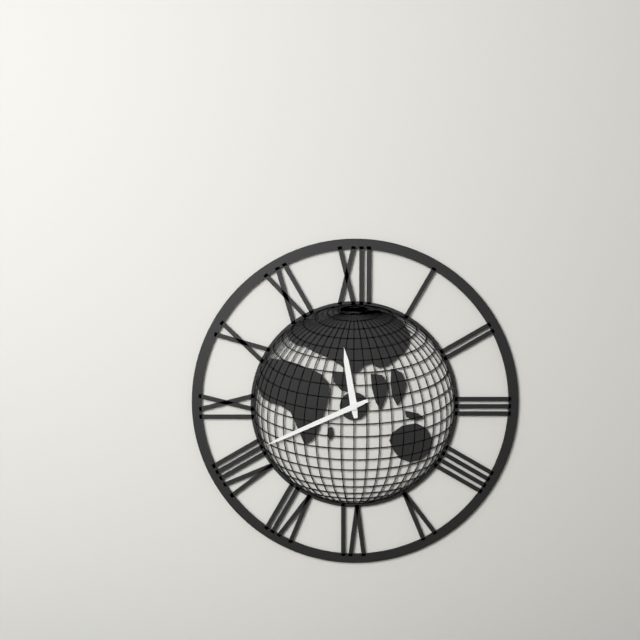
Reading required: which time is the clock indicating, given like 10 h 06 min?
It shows 11 h 41 min
